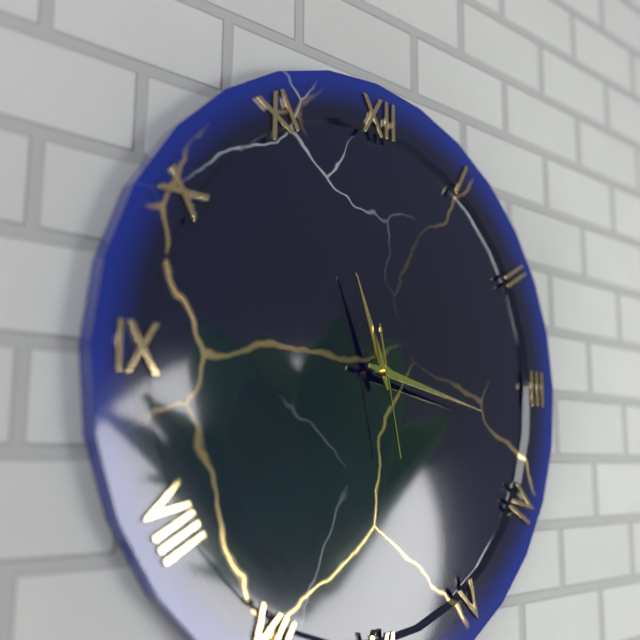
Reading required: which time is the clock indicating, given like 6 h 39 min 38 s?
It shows 11 h 17 min 28 s
